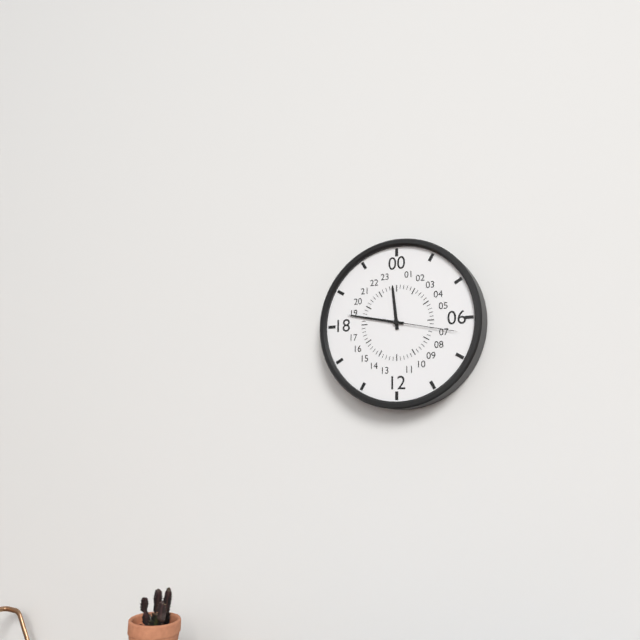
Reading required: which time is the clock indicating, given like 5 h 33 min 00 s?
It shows 11 h 47 min 17 s
